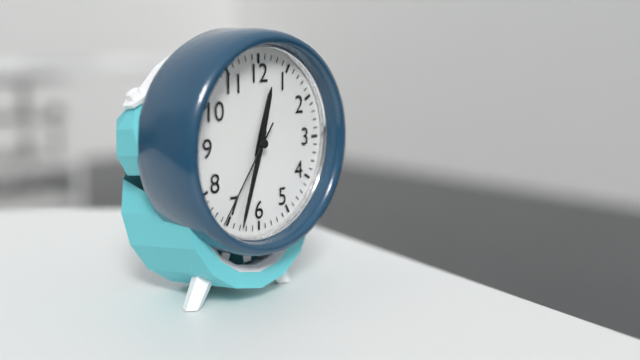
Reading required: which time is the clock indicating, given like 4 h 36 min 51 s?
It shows 12 h 33 min 36 s
